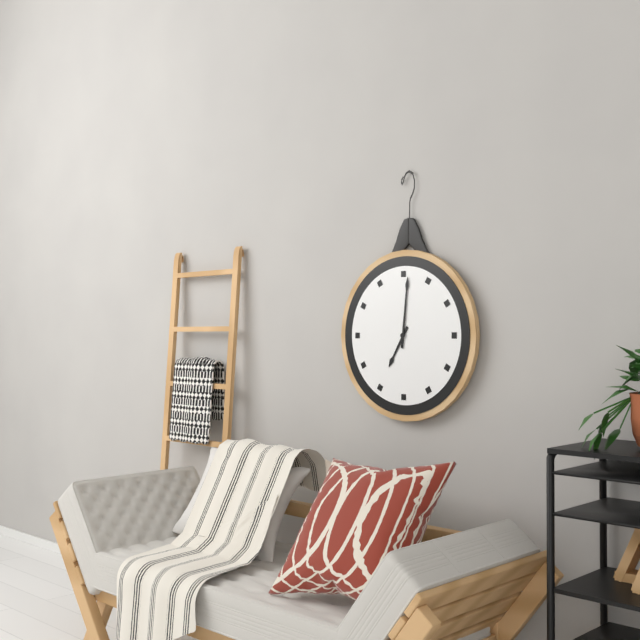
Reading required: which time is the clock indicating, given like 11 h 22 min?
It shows 7 h 01 min
